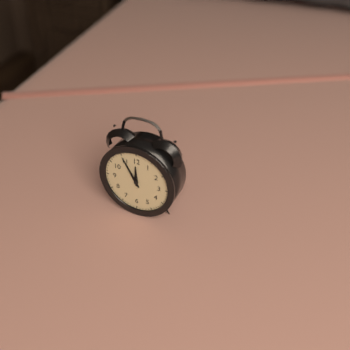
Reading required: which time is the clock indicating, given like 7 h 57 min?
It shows 11 h 55 min
